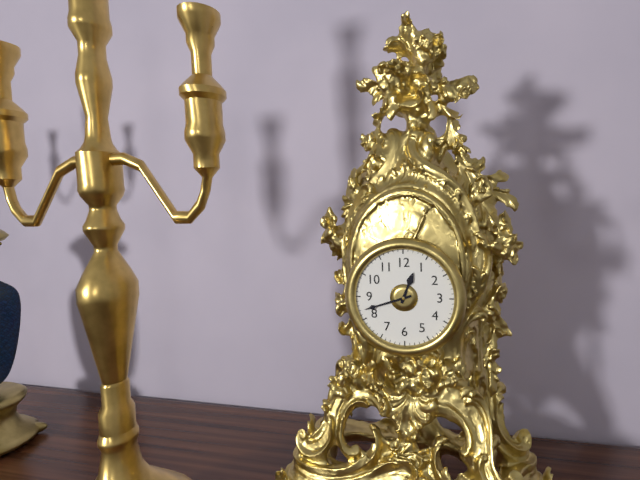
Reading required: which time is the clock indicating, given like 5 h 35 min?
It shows 12 h 42 min
